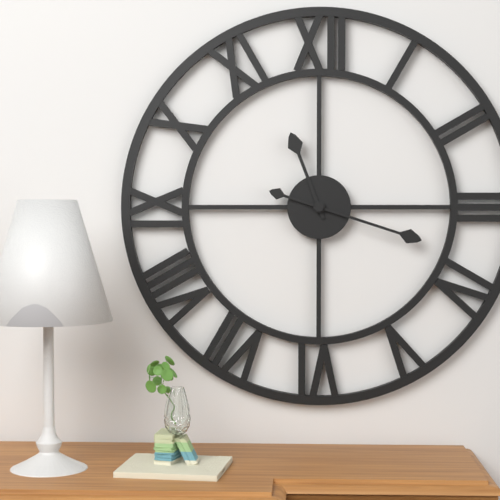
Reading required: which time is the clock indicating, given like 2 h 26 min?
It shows 11 h 18 min
